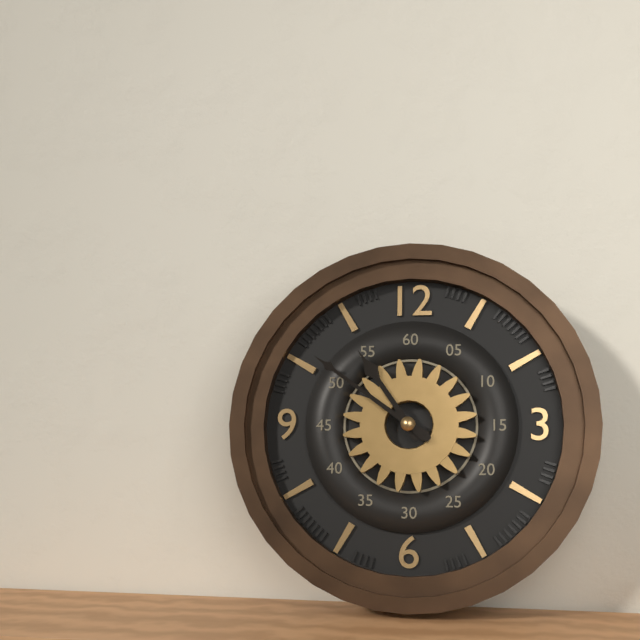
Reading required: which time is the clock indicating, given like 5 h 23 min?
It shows 10 h 51 min
